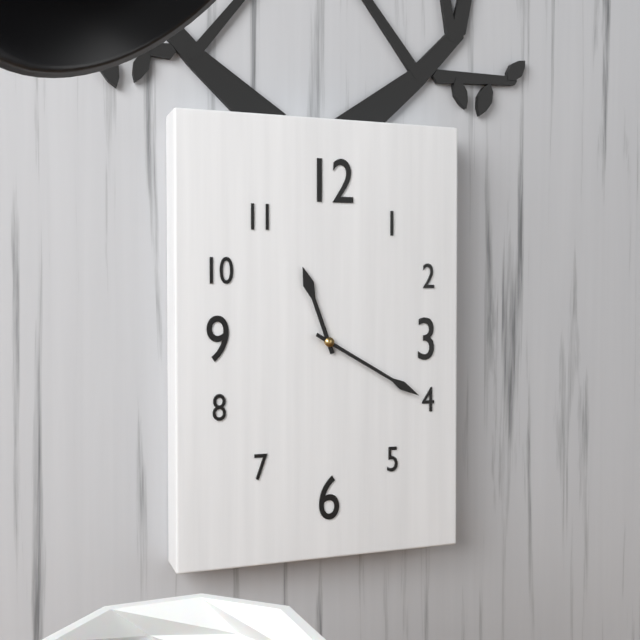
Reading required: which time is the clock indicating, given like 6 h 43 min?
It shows 11 h 20 min
